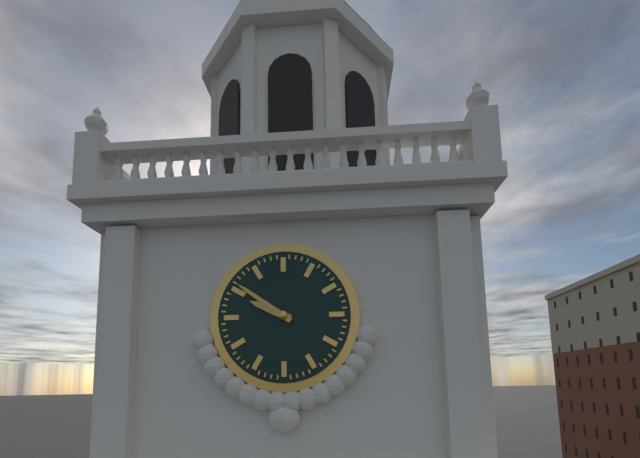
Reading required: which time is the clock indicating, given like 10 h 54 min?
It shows 9 h 51 min
